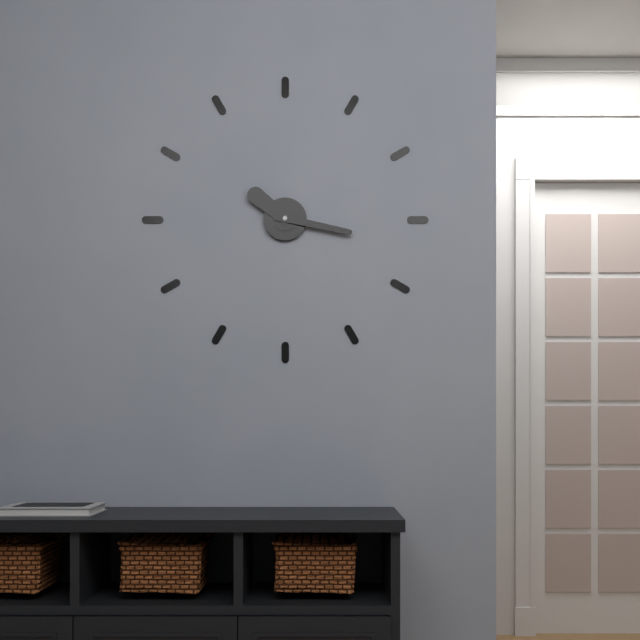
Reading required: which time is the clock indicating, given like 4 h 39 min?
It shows 10 h 17 min
